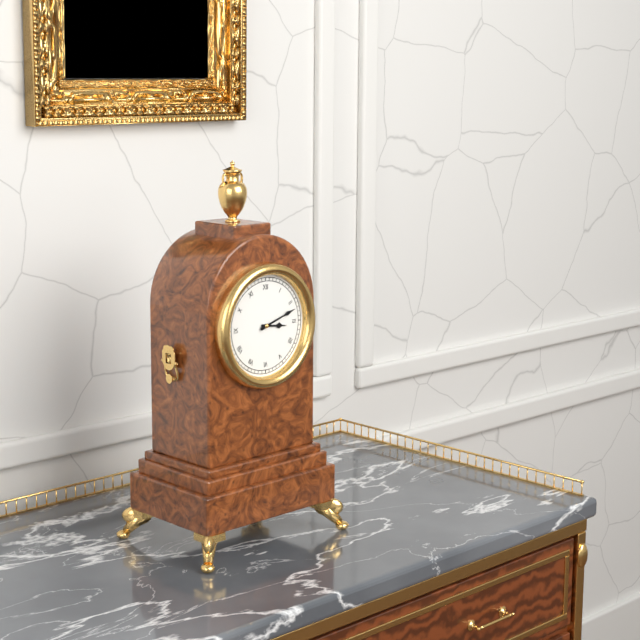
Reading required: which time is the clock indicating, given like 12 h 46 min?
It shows 3 h 12 min
